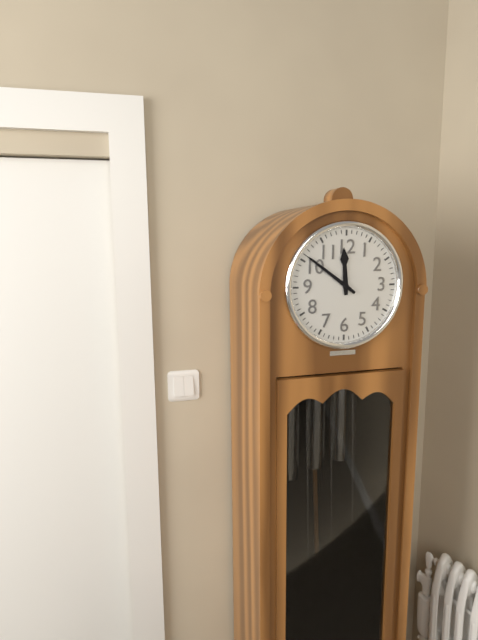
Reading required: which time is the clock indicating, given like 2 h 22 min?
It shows 11 h 51 min
